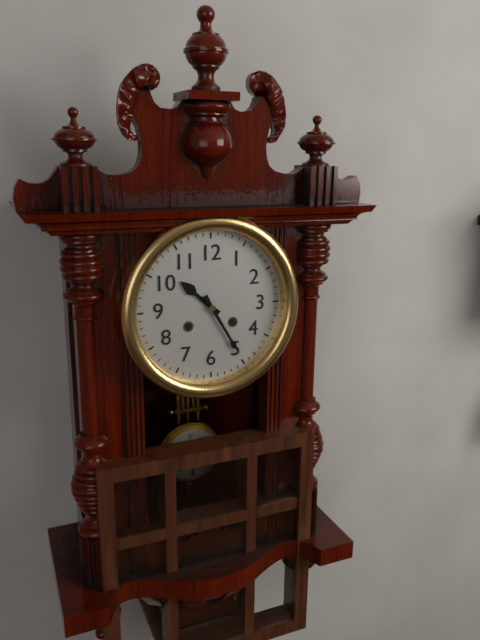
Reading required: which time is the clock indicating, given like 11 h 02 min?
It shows 10 h 25 min
